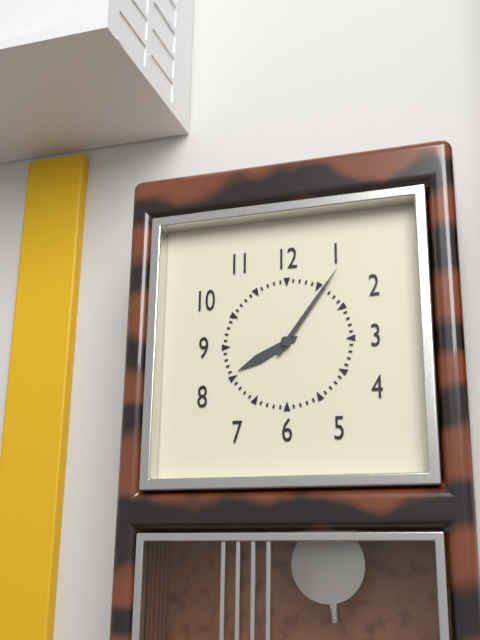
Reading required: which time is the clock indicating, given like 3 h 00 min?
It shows 8 h 06 min
